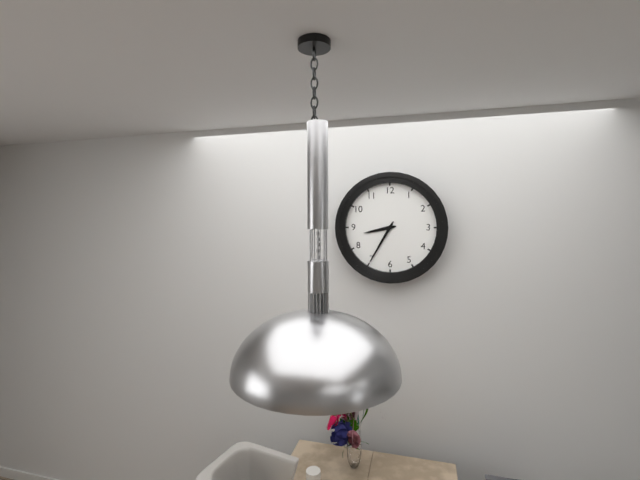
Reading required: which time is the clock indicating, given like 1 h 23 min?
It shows 8 h 35 min
